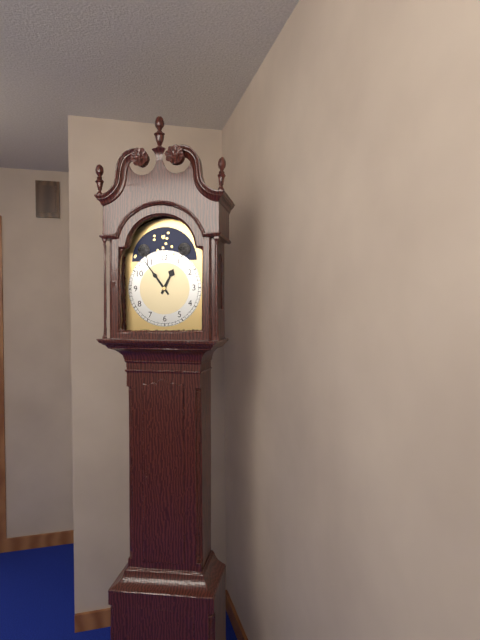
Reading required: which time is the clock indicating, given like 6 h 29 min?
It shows 12 h 54 min
